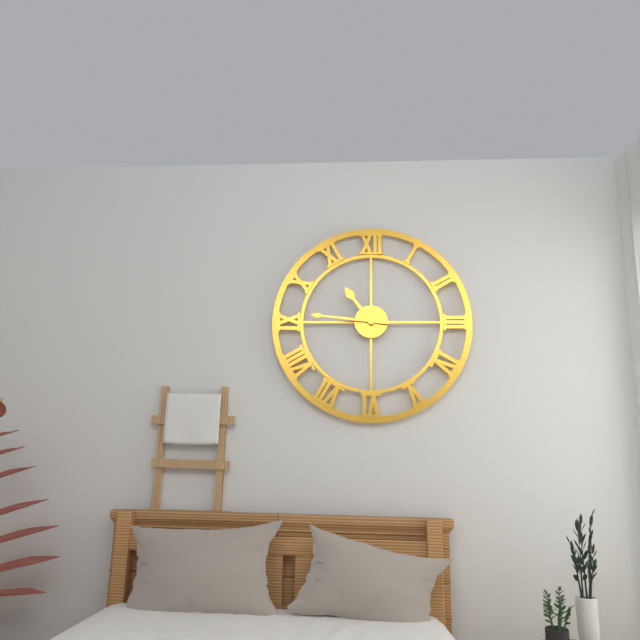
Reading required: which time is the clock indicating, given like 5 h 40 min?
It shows 10 h 46 min
